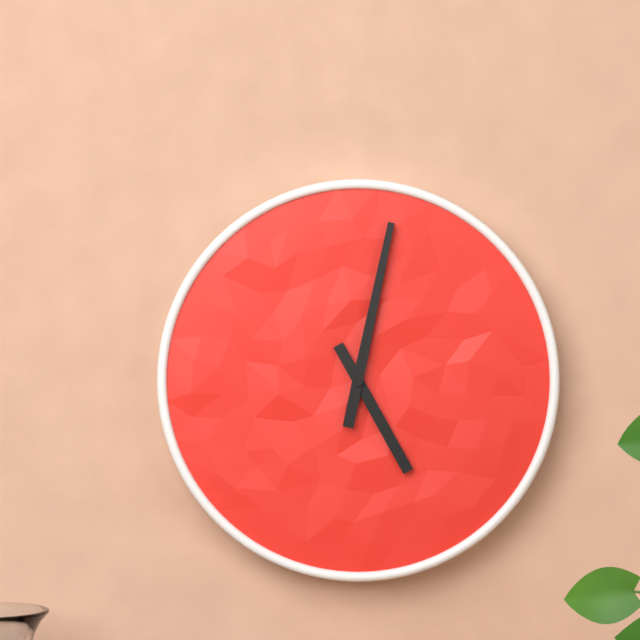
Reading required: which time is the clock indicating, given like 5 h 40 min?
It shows 5 h 02 min
